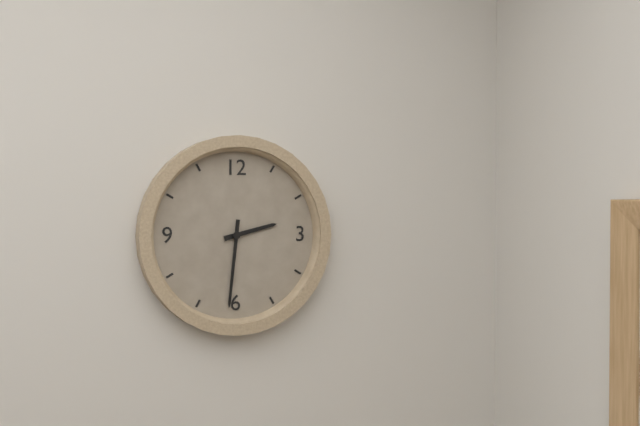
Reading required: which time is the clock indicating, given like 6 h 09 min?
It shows 2 h 31 min
